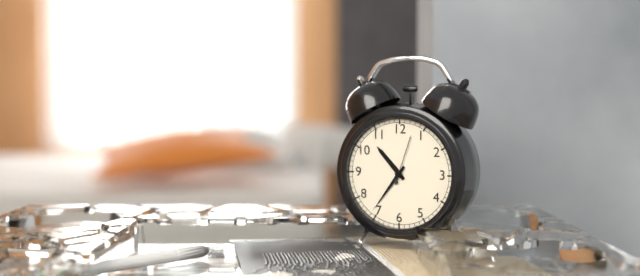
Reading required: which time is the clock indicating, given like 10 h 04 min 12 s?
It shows 10 h 36 min 03 s
